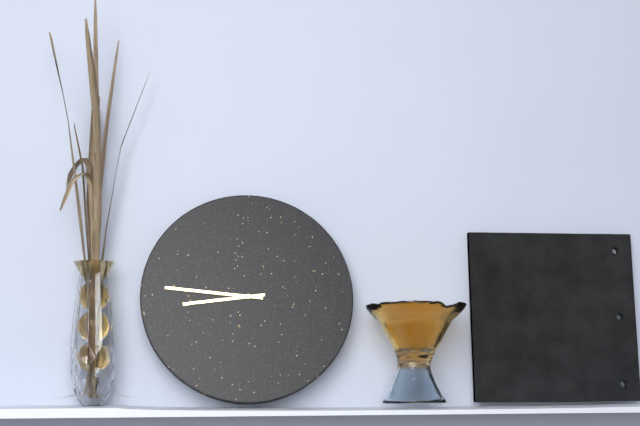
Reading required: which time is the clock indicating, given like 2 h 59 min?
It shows 8 h 46 min
